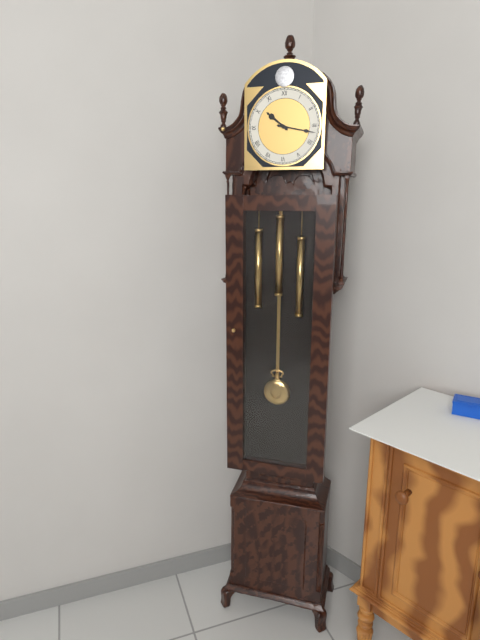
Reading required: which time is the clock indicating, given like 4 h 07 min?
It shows 10 h 17 min
